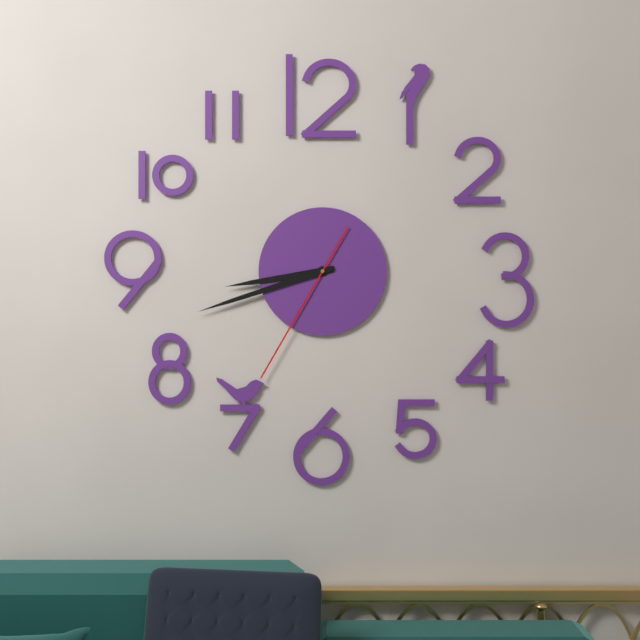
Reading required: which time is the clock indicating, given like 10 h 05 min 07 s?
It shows 8 h 42 min 35 s
